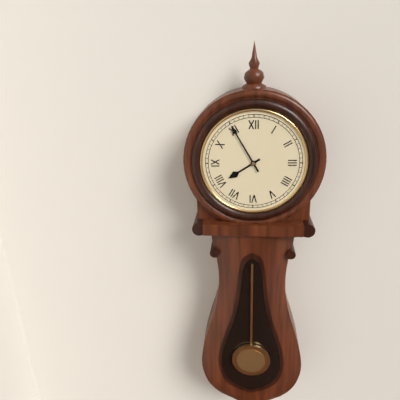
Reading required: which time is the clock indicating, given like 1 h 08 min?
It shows 7 h 55 min
